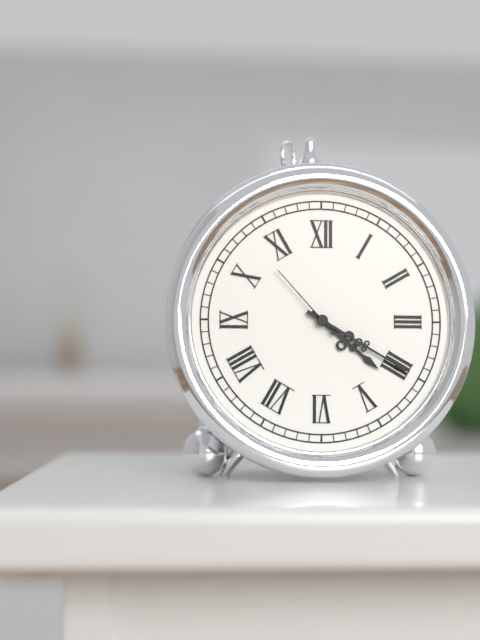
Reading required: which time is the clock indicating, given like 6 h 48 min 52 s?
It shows 4 h 20 min 53 s
